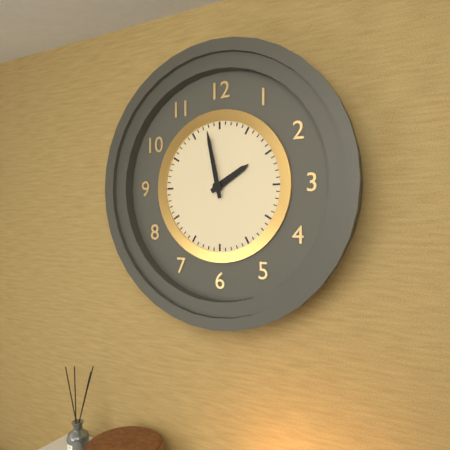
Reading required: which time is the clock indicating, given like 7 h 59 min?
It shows 1 h 58 min
